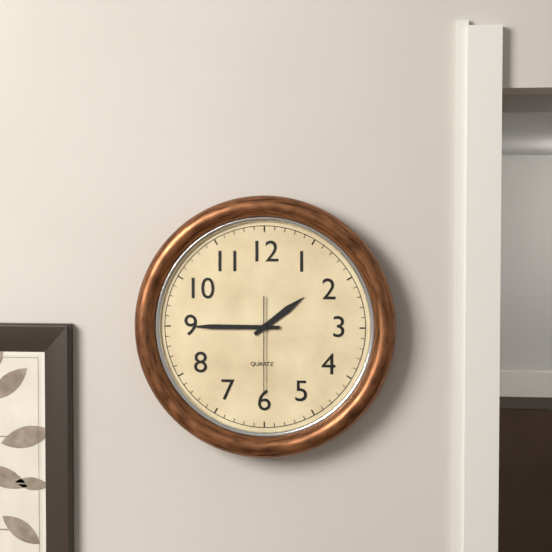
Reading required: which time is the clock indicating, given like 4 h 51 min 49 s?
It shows 1 h 45 min 30 s
